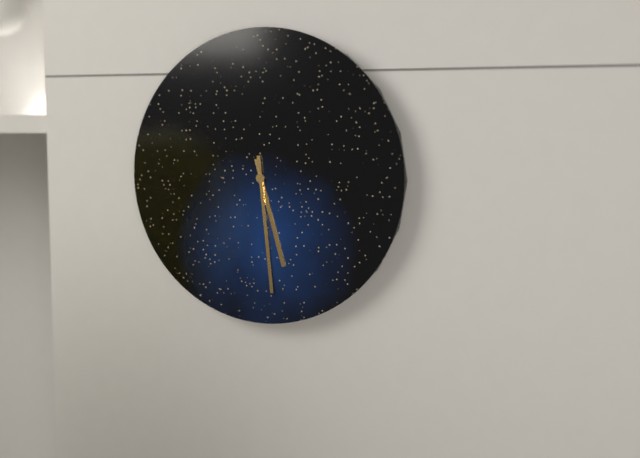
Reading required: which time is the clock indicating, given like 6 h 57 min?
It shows 5 h 29 min
